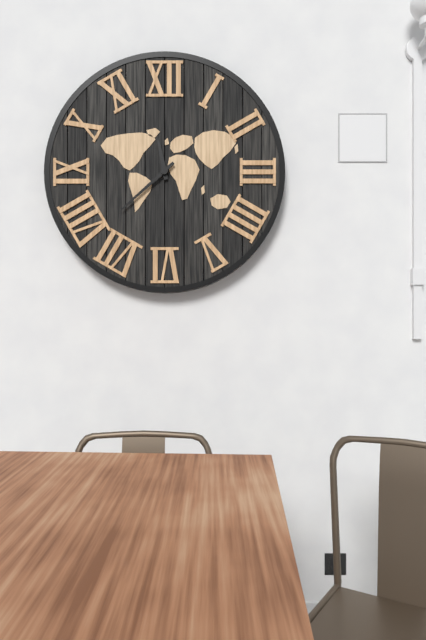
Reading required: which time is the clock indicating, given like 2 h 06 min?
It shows 11 h 38 min
